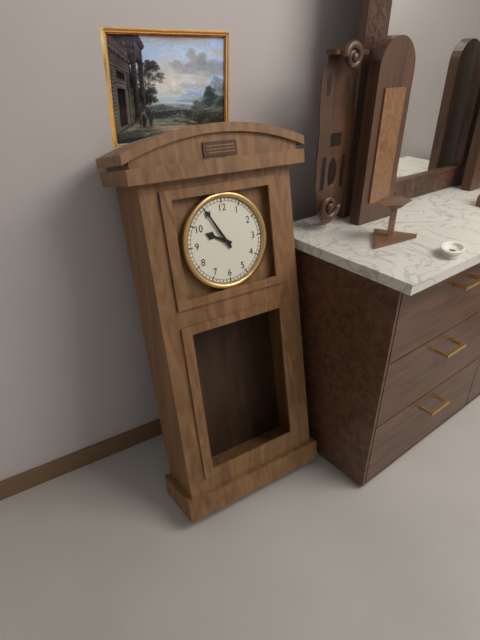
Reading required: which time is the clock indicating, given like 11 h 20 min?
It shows 9 h 55 min
